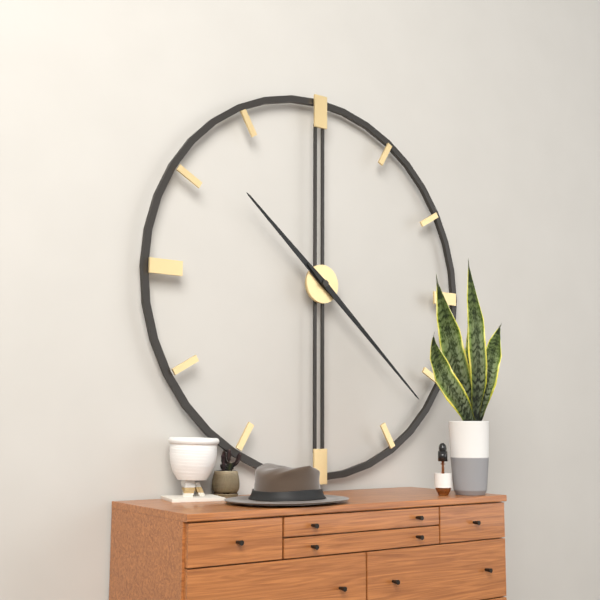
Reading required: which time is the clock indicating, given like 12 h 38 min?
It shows 10 h 22 min
